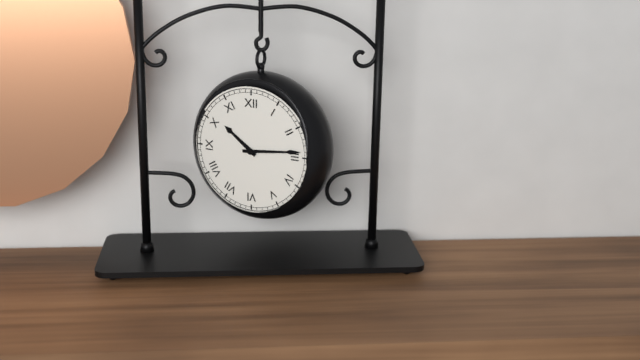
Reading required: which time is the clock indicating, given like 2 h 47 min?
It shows 10 h 14 min
